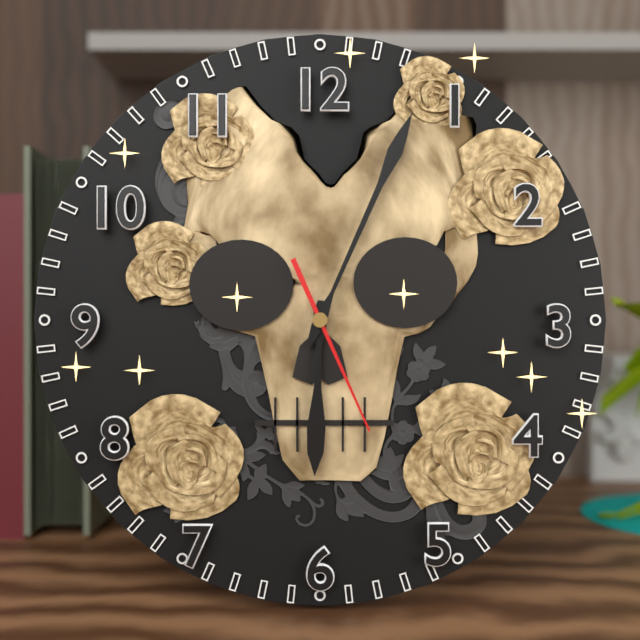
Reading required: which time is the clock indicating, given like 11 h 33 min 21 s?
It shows 6 h 04 min 26 s
